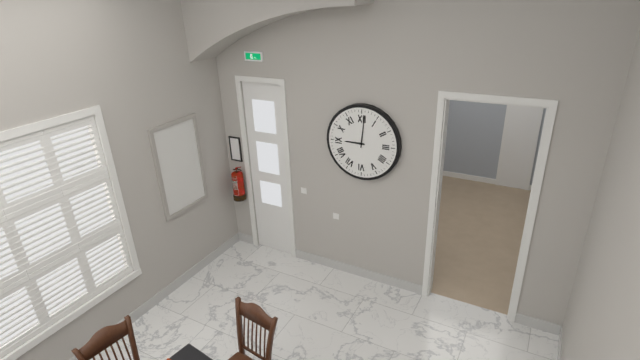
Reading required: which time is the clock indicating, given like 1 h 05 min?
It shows 9 h 01 min
